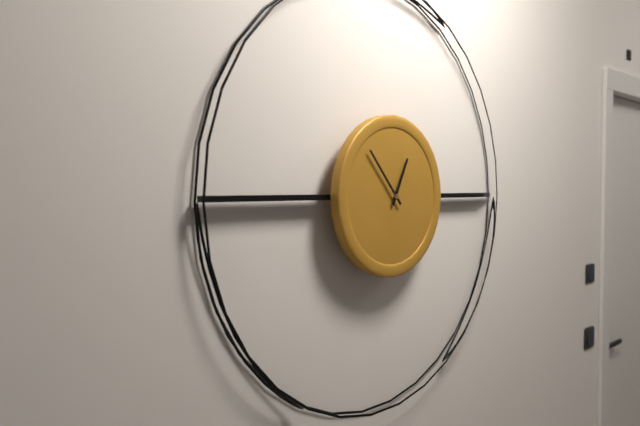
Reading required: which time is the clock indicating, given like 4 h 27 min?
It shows 12 h 53 min
